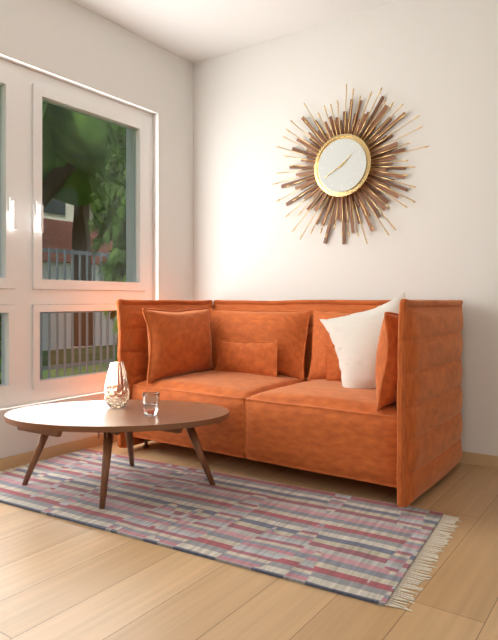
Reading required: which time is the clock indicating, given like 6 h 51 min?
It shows 1 h 40 min
